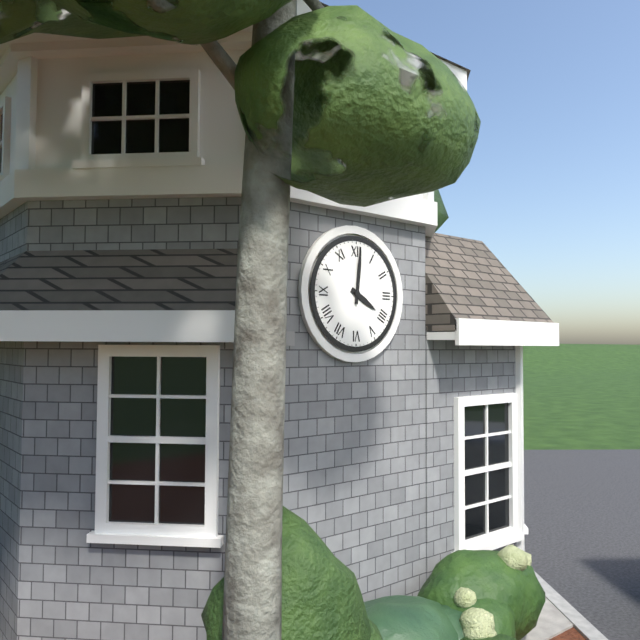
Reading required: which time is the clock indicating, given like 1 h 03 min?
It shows 4 h 01 min
